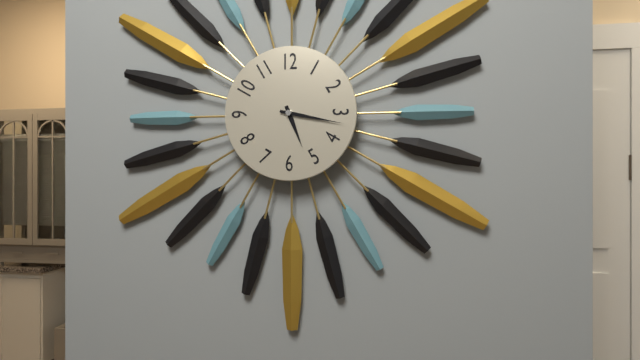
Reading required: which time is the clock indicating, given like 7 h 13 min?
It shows 5 h 17 min
